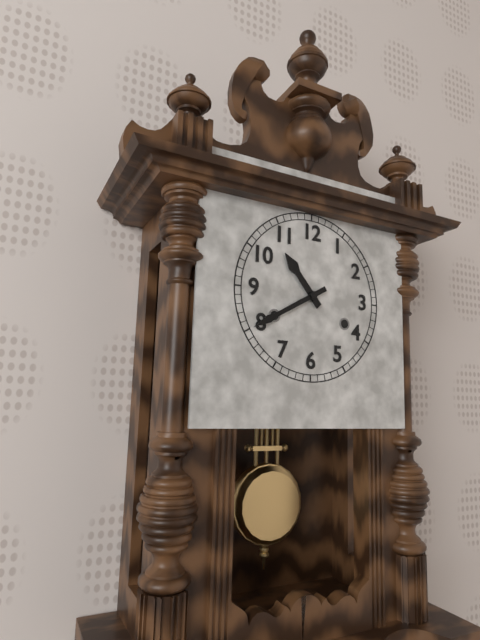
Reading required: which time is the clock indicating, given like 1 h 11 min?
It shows 10 h 40 min
